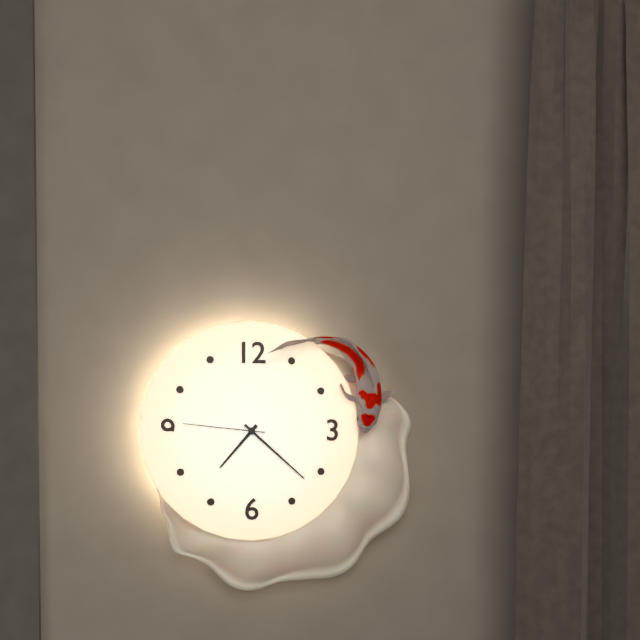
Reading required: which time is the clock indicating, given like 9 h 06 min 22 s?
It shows 7 h 22 min 46 s
